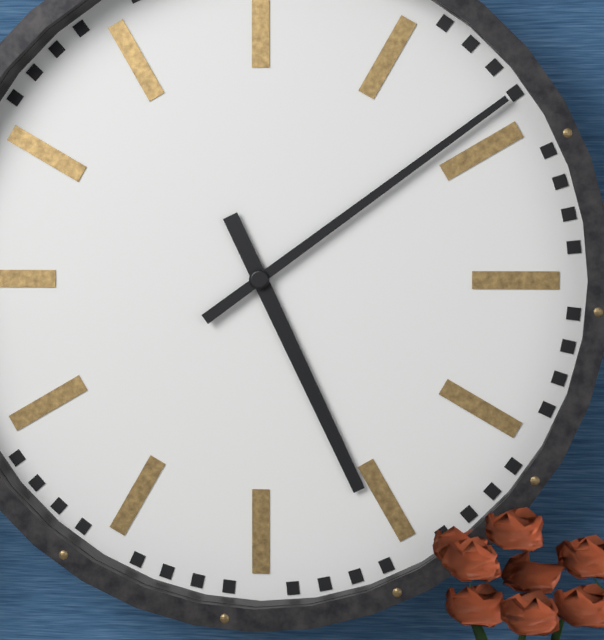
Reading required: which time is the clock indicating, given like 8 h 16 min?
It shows 5 h 09 min
